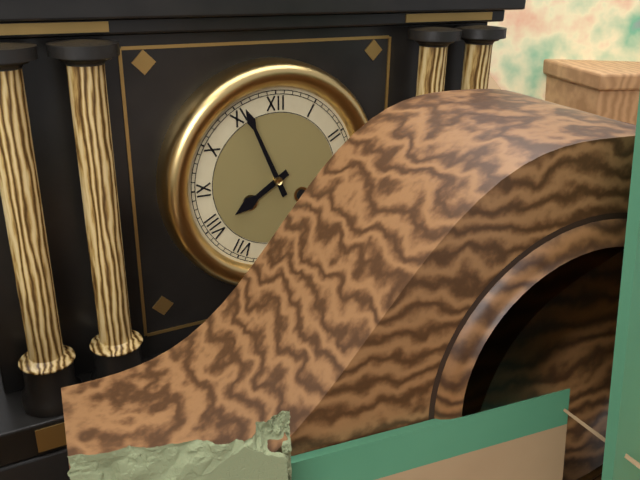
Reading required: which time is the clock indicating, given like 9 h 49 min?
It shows 7 h 56 min
